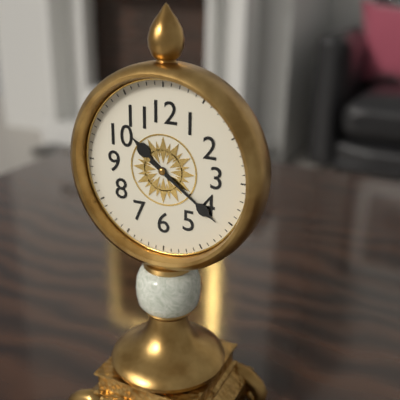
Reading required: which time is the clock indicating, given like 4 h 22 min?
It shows 10 h 21 min
